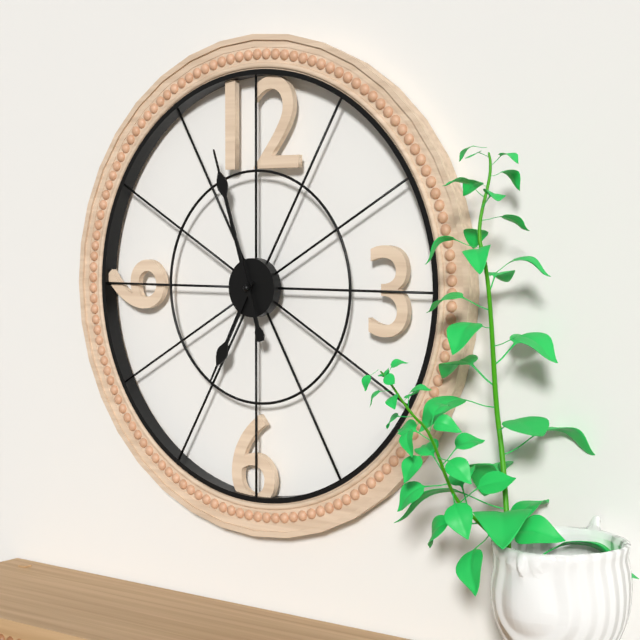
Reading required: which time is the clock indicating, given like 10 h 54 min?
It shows 6 h 57 min
